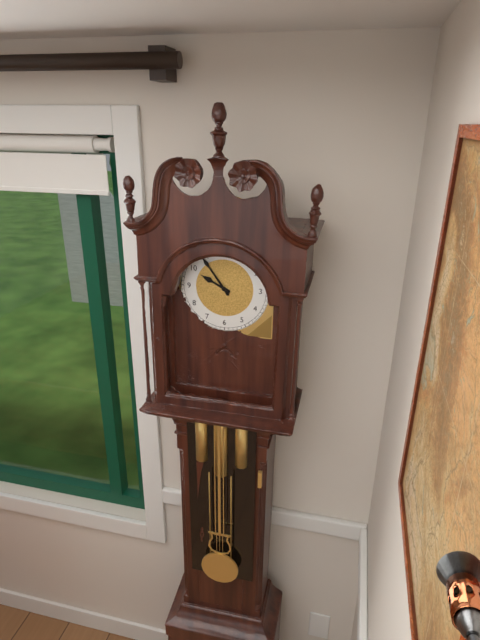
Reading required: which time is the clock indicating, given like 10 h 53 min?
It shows 9 h 54 min
